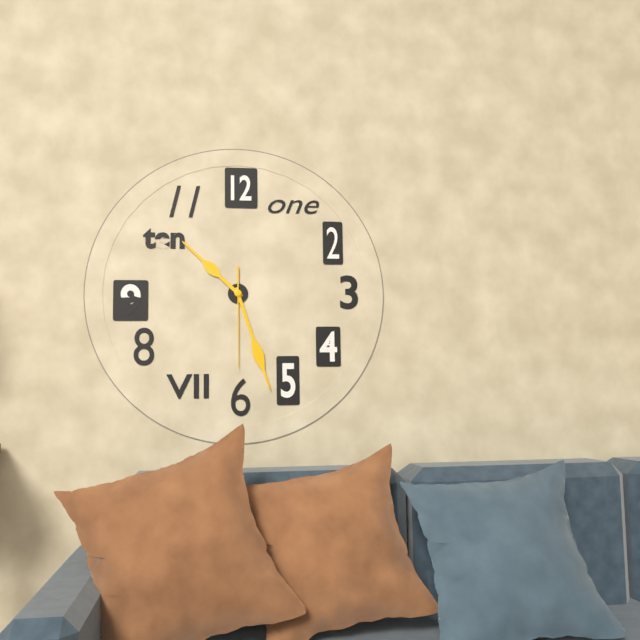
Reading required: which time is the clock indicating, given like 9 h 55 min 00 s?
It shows 10 h 27 min 30 s
